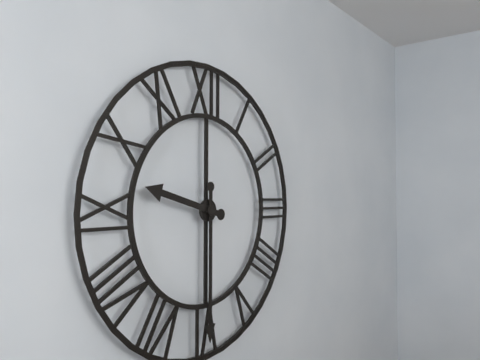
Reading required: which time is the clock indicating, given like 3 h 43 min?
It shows 9 h 30 min
